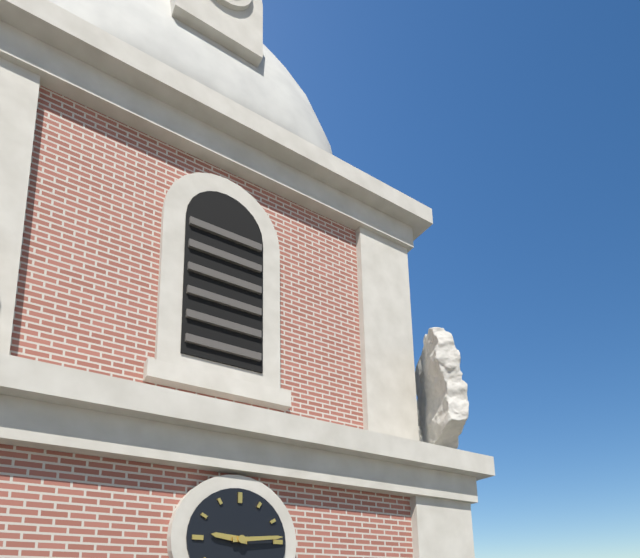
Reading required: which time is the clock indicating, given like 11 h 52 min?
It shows 9 h 14 min
